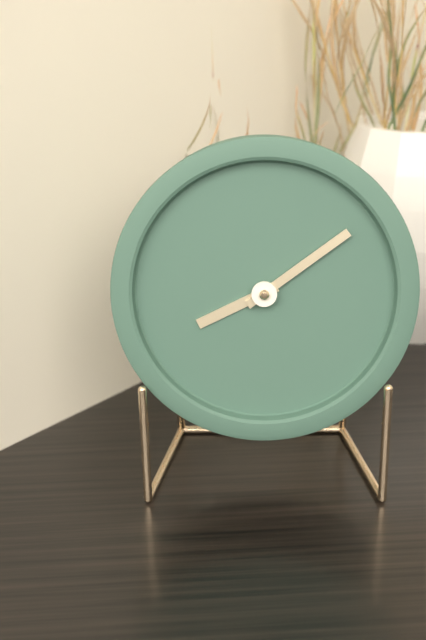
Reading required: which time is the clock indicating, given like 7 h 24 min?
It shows 8 h 09 min
